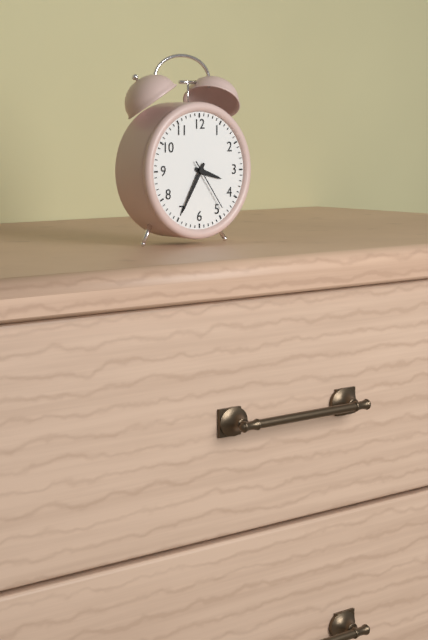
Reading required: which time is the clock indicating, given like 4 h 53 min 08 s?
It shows 3 h 35 min 24 s
